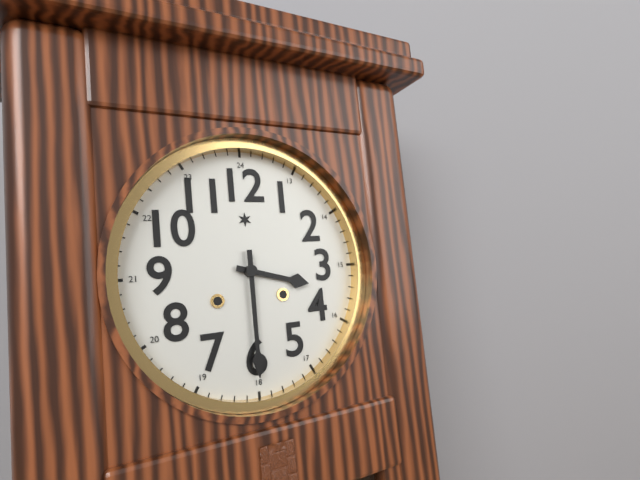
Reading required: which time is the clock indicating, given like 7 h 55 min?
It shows 3 h 30 min
